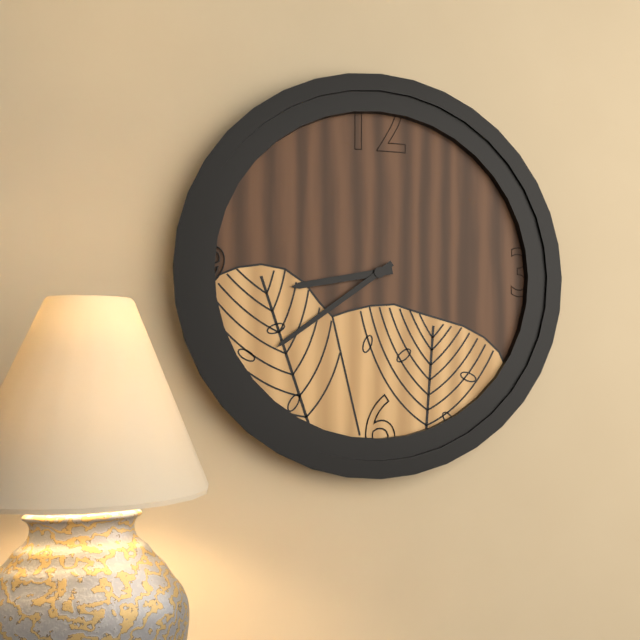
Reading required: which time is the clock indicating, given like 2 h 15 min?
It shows 8 h 39 min
